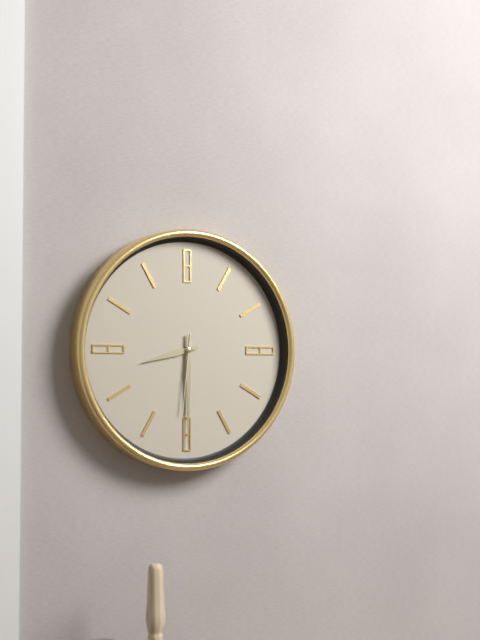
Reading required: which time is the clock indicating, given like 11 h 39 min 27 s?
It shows 8 h 30 min 31 s
